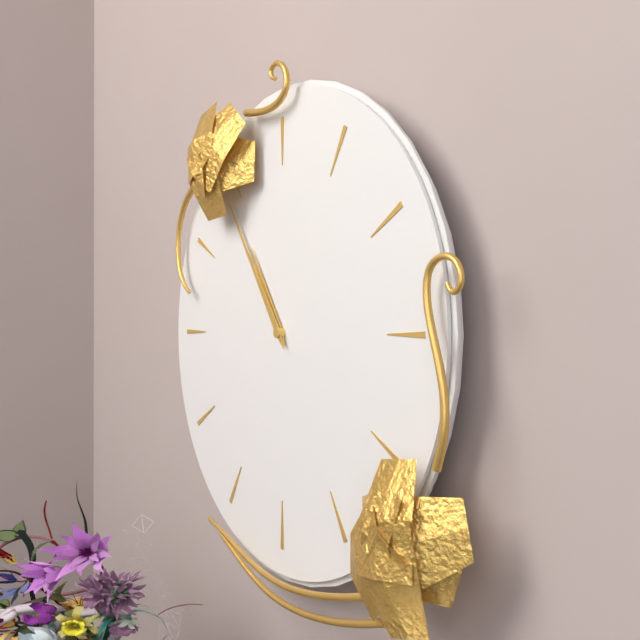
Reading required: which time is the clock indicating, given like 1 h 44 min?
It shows 10 h 54 min
